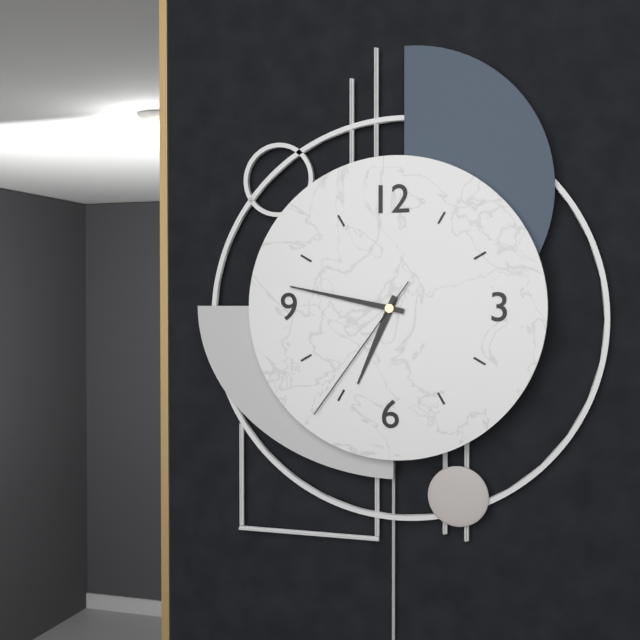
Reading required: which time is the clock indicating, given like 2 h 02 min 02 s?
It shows 6 h 47 min 36 s
